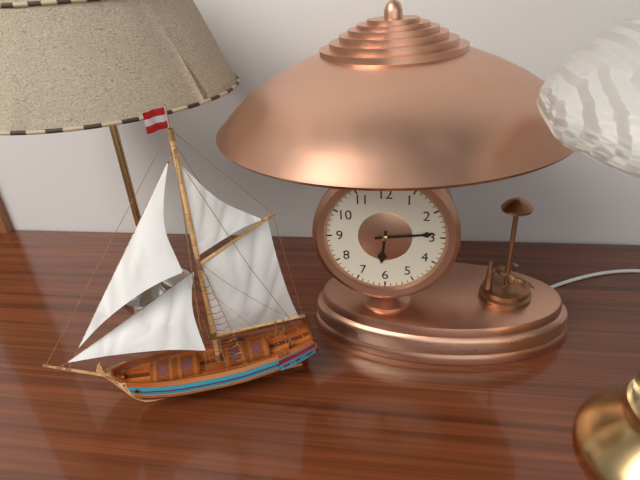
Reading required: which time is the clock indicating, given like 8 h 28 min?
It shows 6 h 14 min
